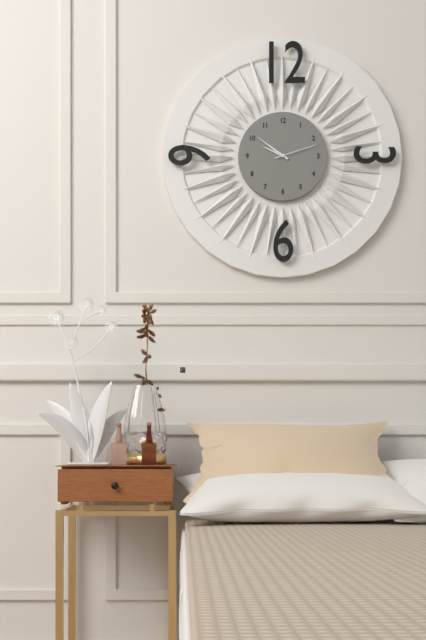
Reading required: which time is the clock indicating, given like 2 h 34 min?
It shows 9 h 51 min
